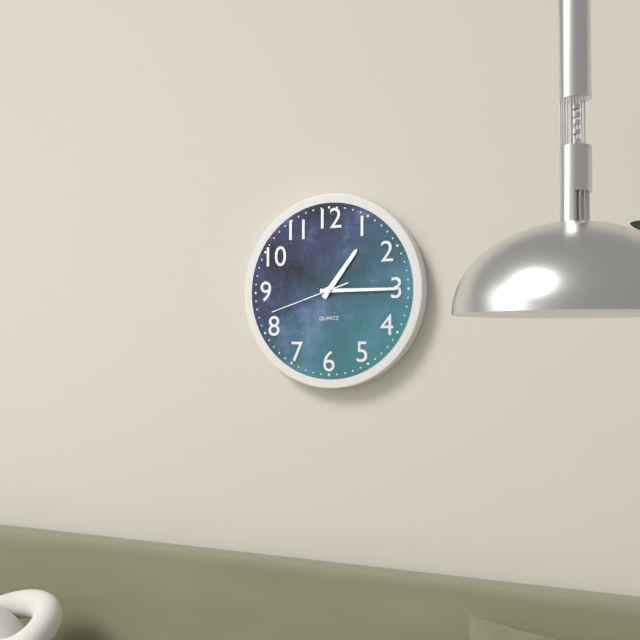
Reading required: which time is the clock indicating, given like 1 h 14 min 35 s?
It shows 1 h 15 min 42 s
